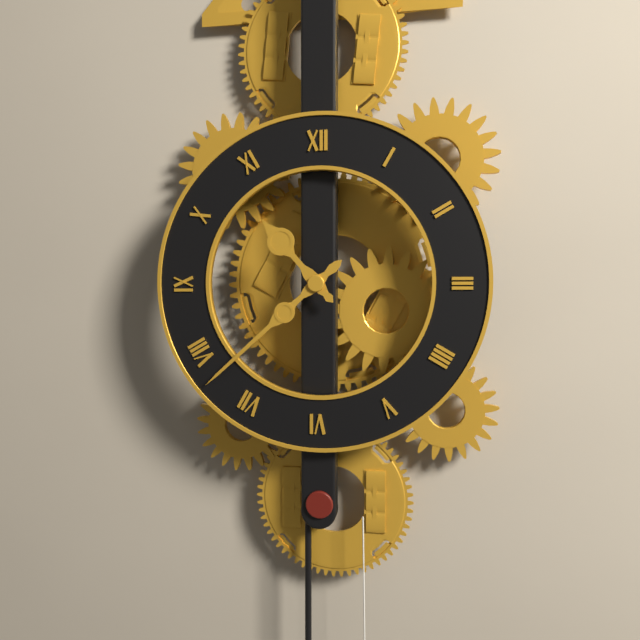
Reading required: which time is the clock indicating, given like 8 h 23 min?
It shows 10 h 38 min
